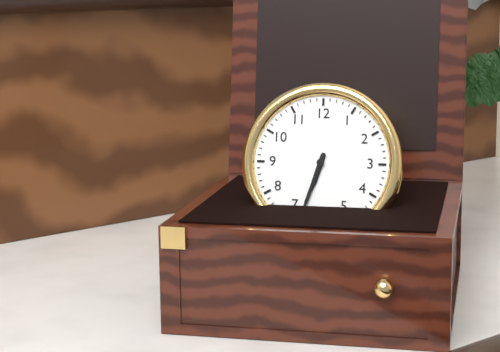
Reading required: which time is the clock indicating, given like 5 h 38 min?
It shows 6 h 33 min
